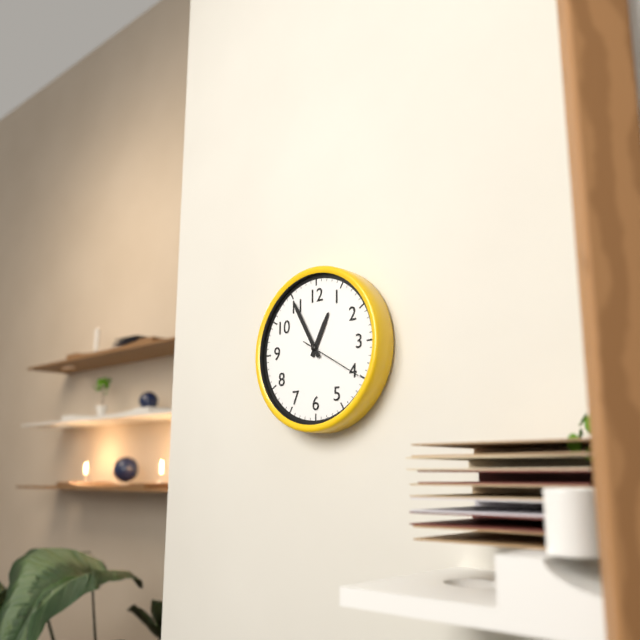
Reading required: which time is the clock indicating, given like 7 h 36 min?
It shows 12 h 55 min
